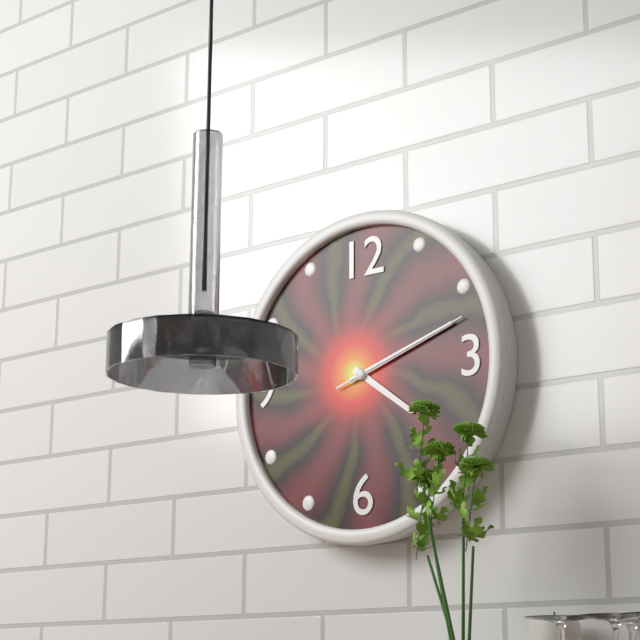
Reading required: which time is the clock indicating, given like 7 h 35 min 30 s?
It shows 4 h 12 min 12 s
